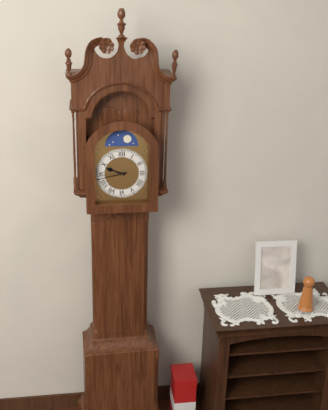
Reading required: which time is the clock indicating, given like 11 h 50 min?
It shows 9 h 43 min
